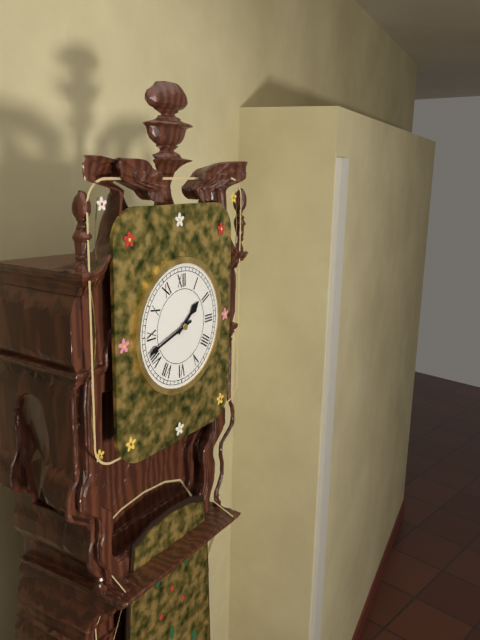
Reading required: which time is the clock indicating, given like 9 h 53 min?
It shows 1 h 42 min
